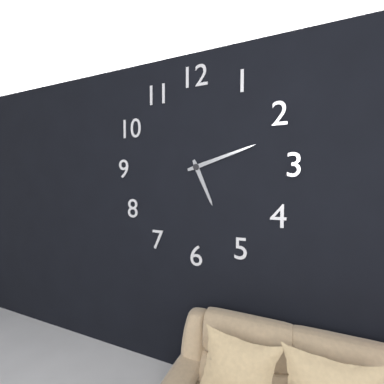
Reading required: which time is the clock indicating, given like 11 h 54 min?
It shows 5 h 12 min
